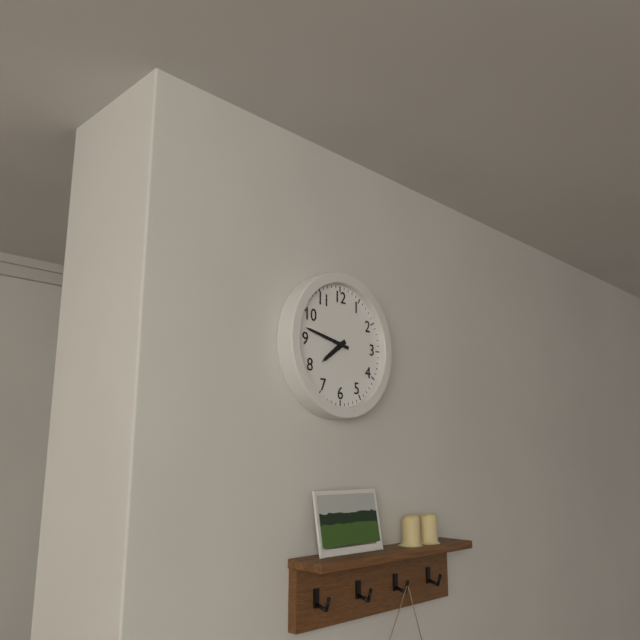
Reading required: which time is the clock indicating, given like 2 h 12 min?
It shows 7 h 47 min
